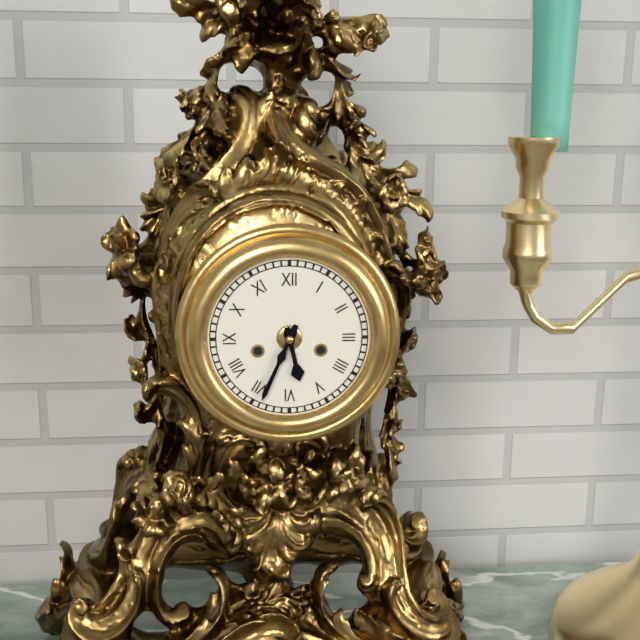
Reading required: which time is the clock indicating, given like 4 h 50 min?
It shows 5 h 34 min
